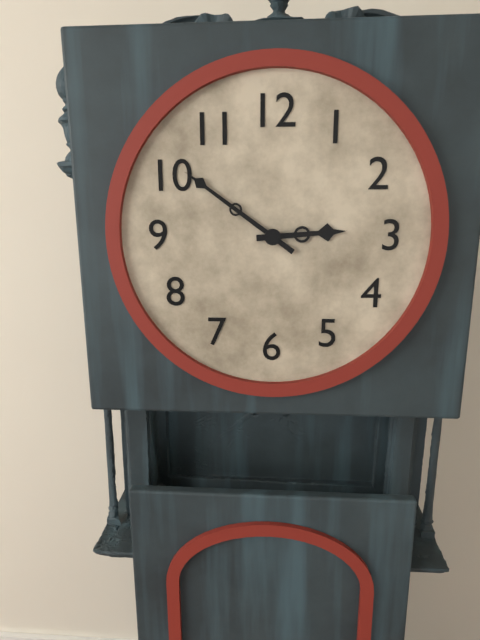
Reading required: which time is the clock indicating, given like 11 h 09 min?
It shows 2 h 51 min
